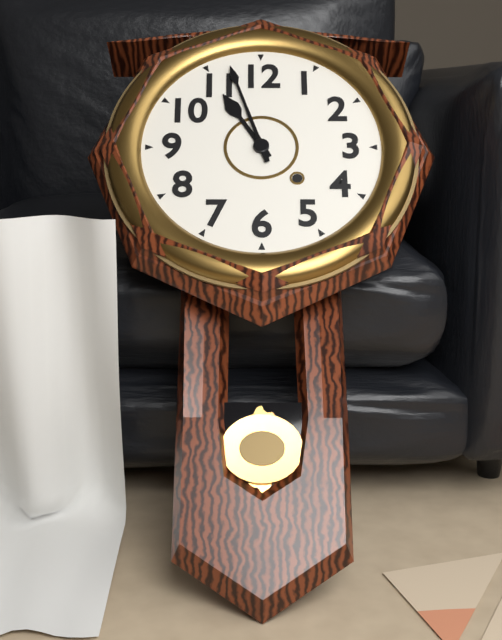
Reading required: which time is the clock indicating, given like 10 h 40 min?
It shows 10 h 57 min
